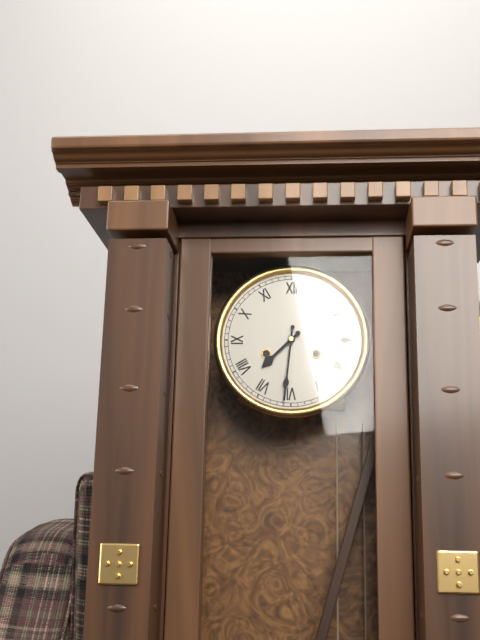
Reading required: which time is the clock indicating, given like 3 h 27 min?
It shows 7 h 31 min
